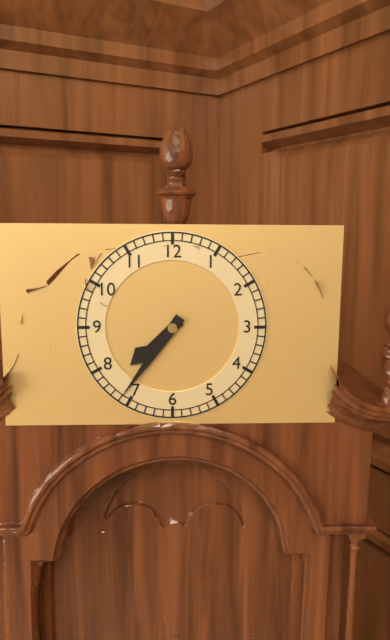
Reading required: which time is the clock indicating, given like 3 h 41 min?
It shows 7 h 36 min
